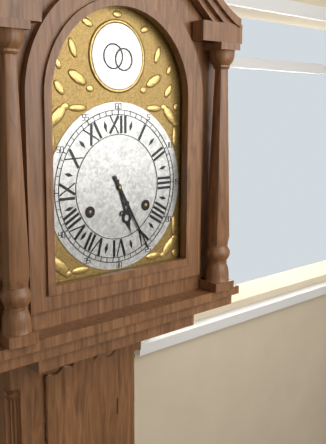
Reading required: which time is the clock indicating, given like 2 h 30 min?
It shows 5 h 25 min
